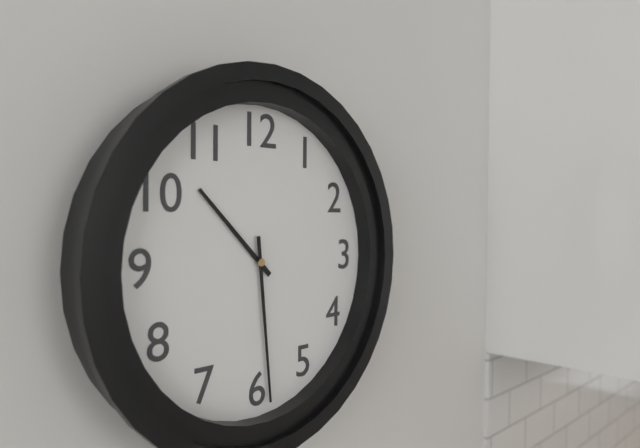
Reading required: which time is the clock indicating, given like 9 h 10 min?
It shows 10 h 29 min
